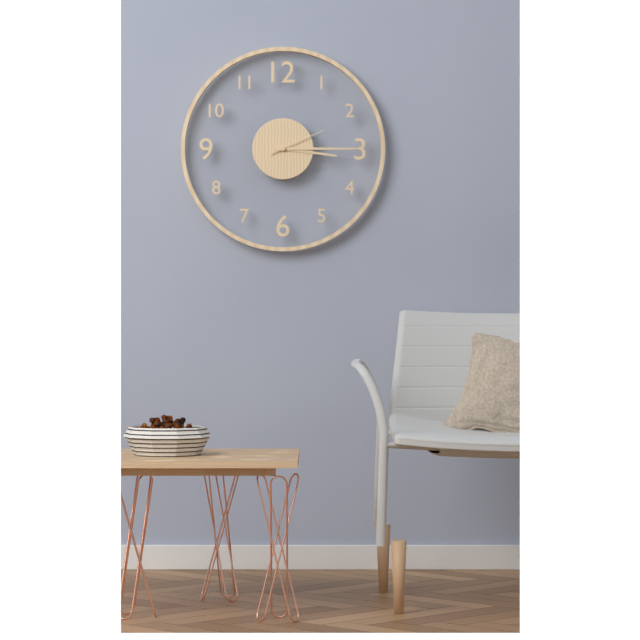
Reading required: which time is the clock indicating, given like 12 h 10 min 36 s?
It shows 3 h 15 min 11 s
